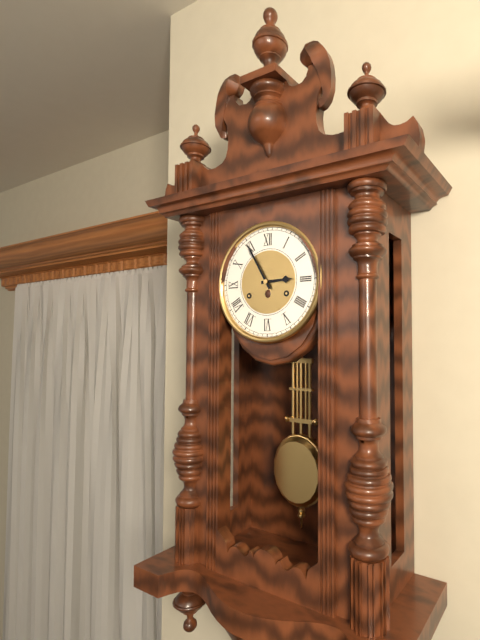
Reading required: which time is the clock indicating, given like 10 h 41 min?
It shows 2 h 55 min
